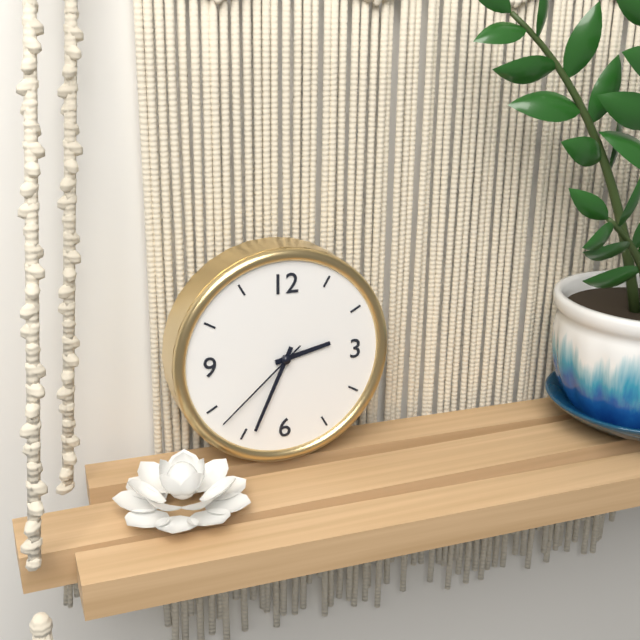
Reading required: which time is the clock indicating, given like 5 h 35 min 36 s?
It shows 2 h 34 min 38 s
